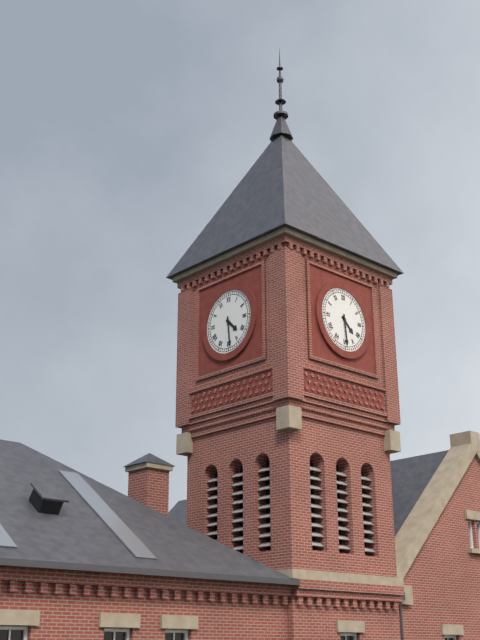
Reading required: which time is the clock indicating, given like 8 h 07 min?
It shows 4 h 29 min
